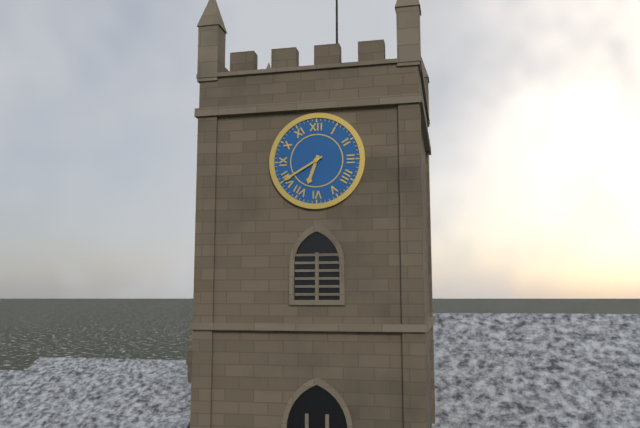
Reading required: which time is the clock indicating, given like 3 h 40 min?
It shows 6 h 40 min
